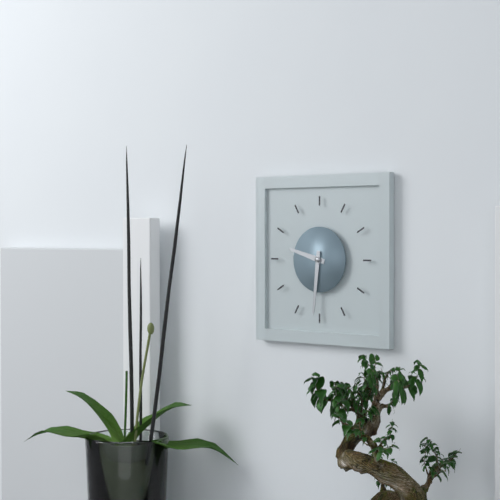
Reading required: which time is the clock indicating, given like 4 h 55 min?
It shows 9 h 31 min
